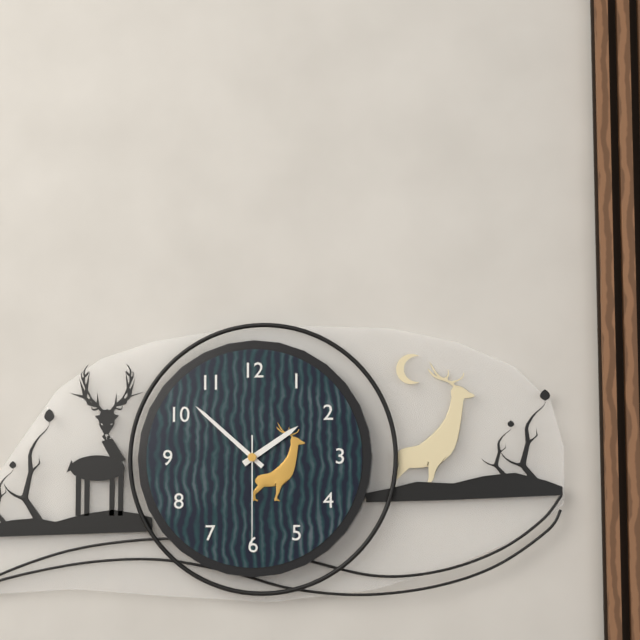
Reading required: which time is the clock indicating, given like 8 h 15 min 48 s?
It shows 1 h 52 min 30 s
